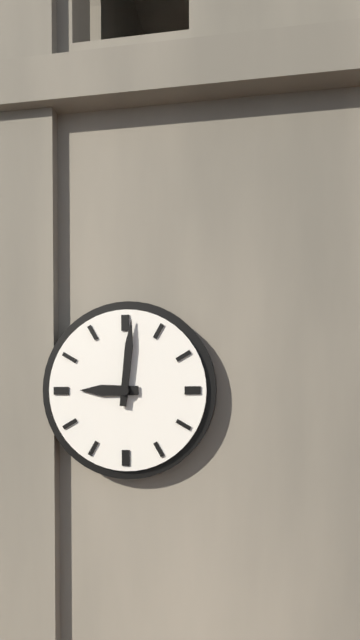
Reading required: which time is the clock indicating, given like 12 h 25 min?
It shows 9 h 01 min
